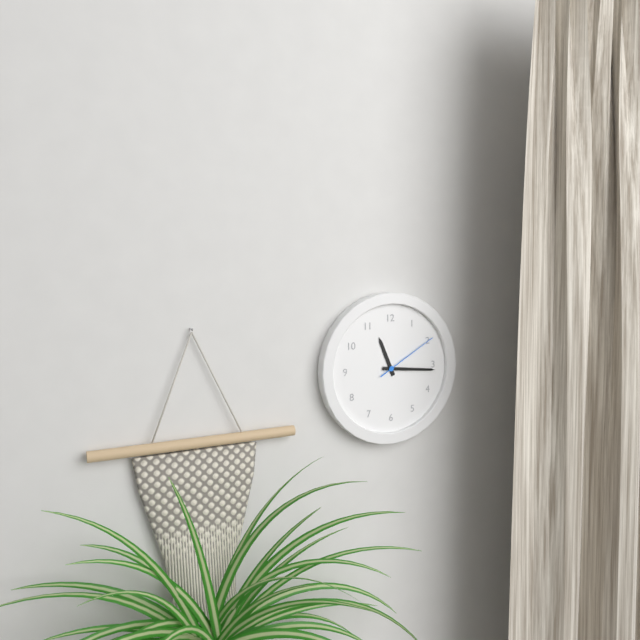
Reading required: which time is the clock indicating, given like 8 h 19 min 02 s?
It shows 11 h 16 min 10 s
